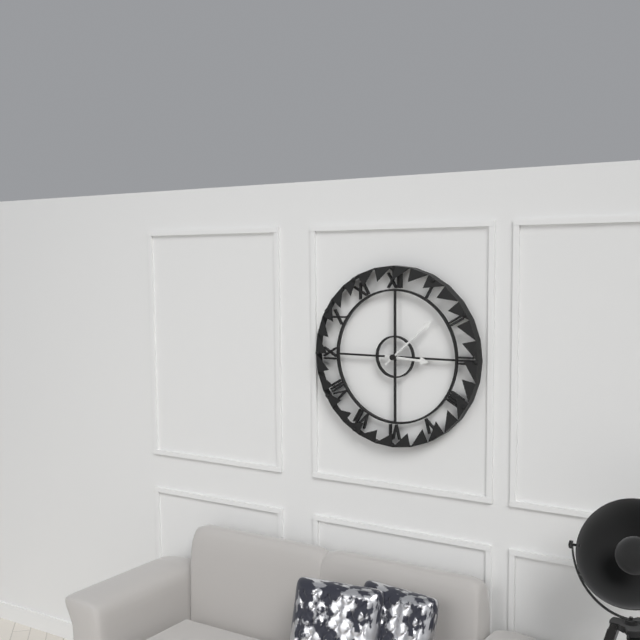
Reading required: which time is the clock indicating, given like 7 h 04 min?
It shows 3 h 08 min
